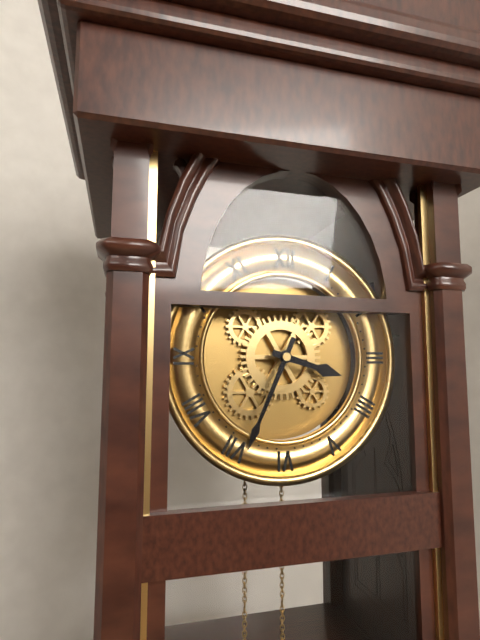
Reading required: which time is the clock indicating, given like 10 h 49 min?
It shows 3 h 34 min
